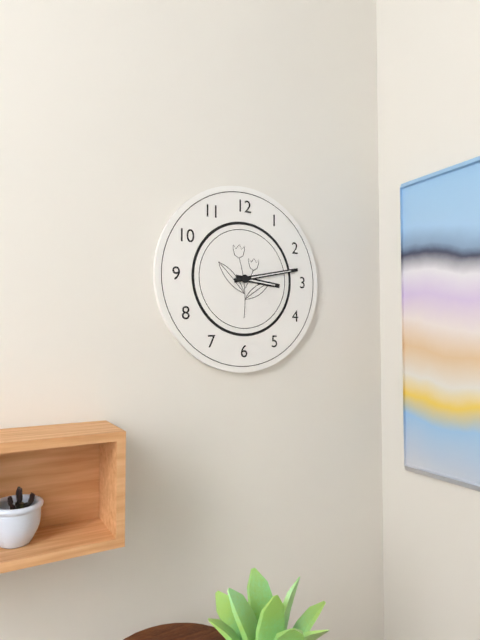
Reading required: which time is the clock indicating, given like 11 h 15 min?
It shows 3 h 13 min
